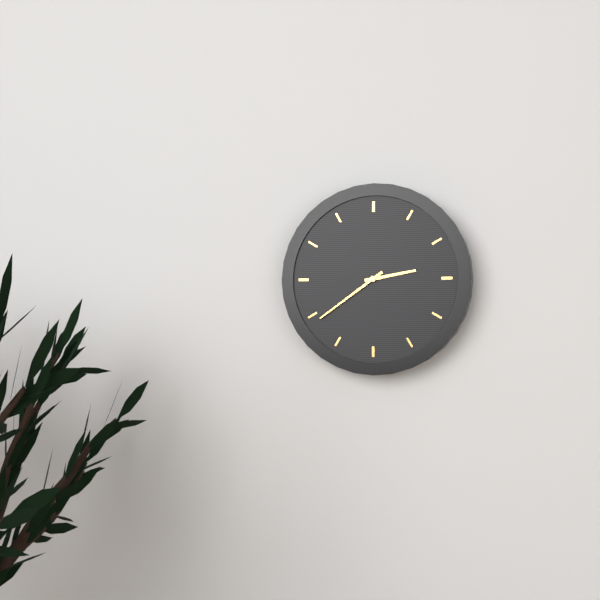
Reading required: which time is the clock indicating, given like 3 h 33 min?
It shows 2 h 39 min
